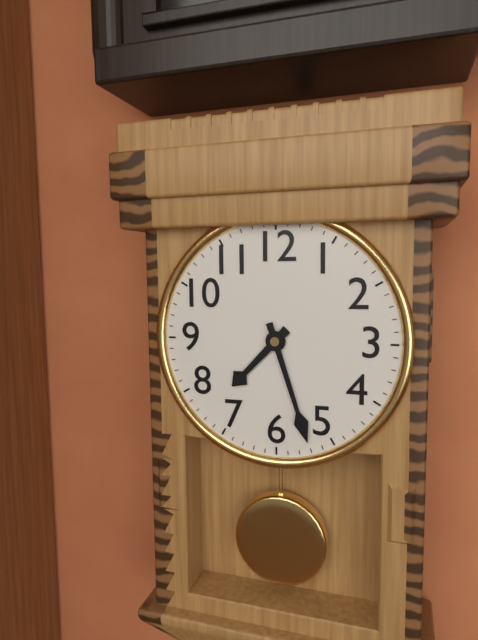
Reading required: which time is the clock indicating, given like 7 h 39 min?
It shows 7 h 27 min
